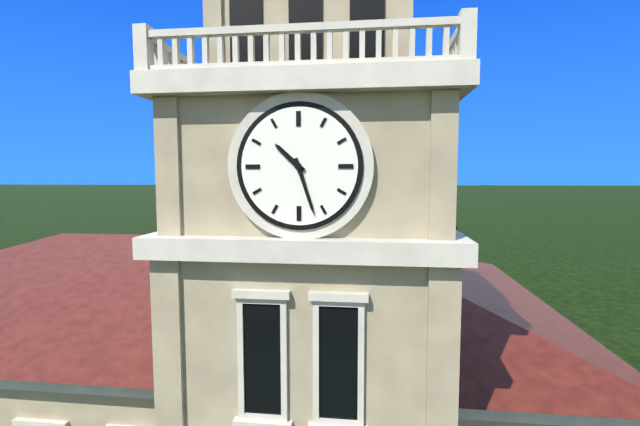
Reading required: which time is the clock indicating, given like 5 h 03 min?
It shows 10 h 27 min
